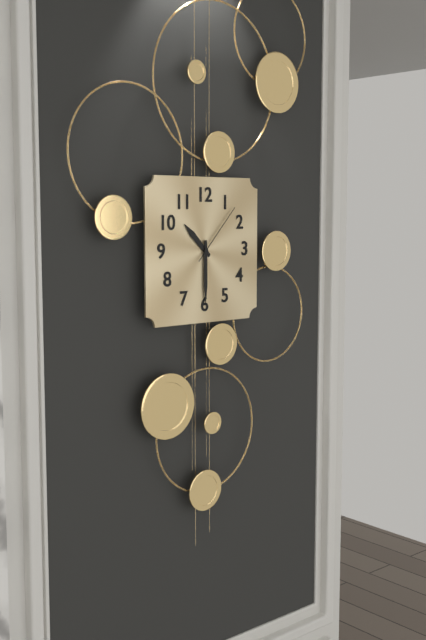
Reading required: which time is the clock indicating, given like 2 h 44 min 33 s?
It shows 10 h 30 min 07 s
